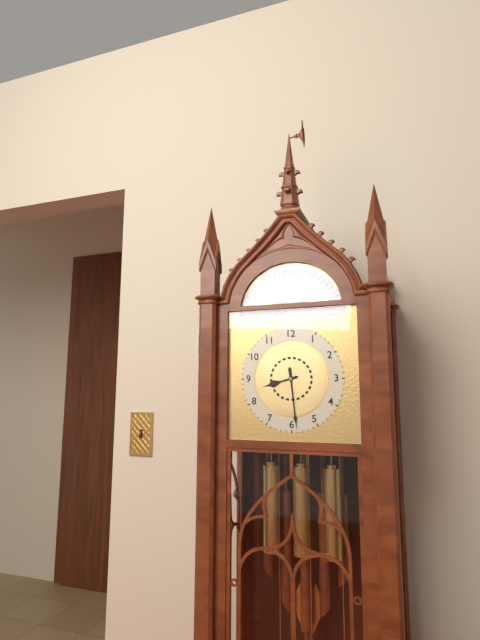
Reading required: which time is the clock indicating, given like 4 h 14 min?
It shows 8 h 29 min
